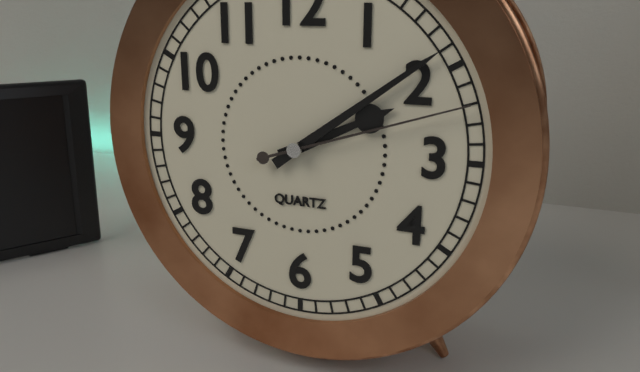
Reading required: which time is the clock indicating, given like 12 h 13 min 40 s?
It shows 2 h 09 min 12 s
